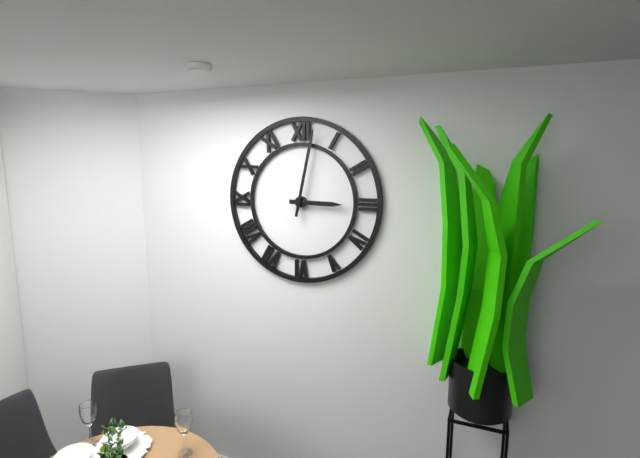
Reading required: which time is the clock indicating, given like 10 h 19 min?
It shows 3 h 02 min
